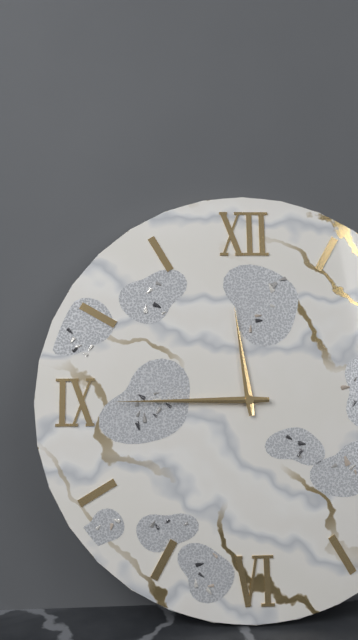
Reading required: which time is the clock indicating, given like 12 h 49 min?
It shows 11 h 45 min
